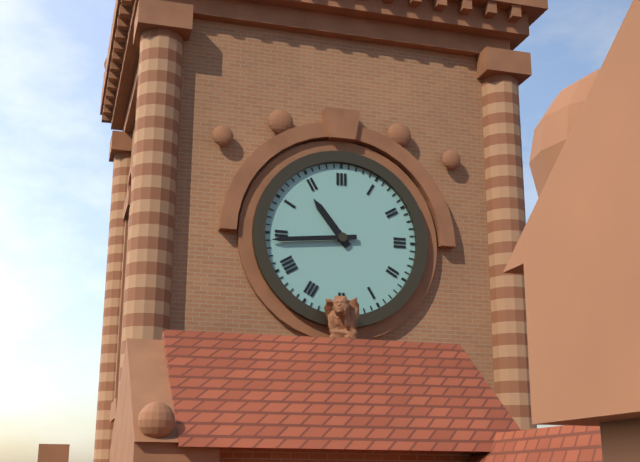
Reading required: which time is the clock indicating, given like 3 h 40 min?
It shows 10 h 44 min
